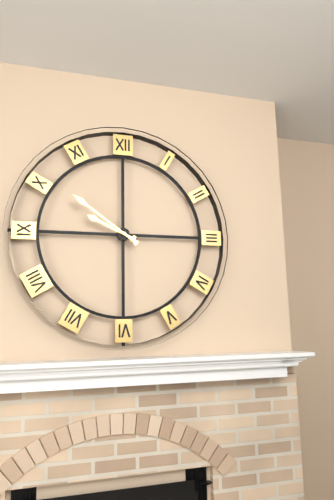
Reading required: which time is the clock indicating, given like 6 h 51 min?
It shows 9 h 51 min
